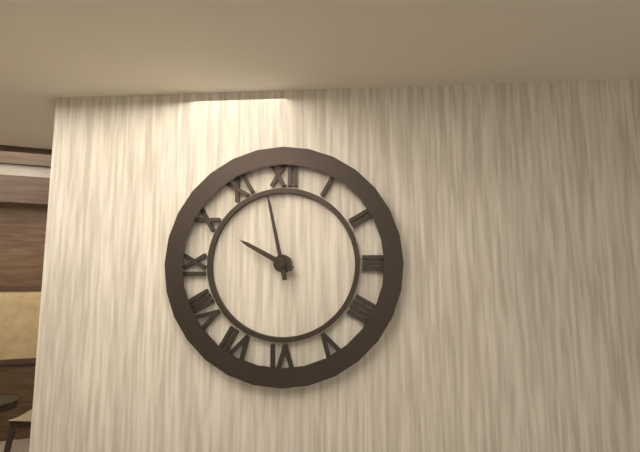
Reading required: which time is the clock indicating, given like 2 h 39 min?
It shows 9 h 58 min
